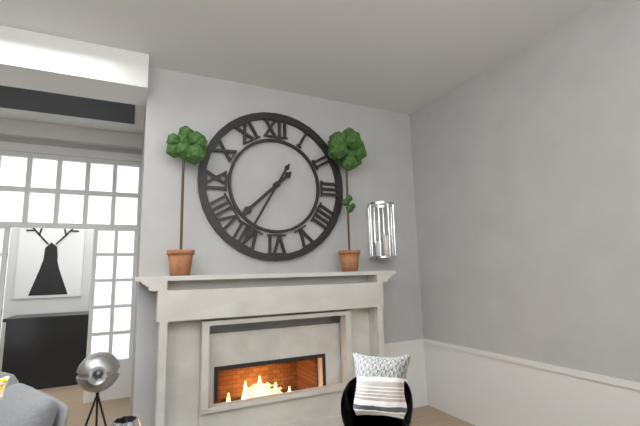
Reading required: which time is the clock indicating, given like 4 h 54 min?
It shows 7 h 35 min
